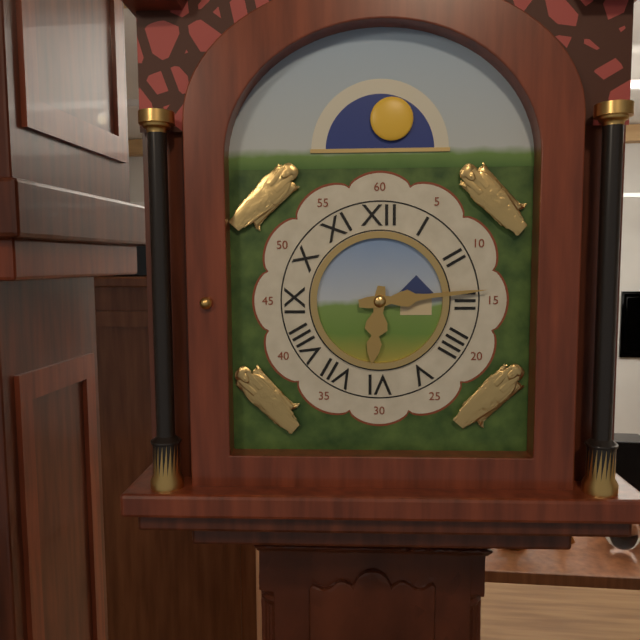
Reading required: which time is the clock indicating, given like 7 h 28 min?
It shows 6 h 14 min
